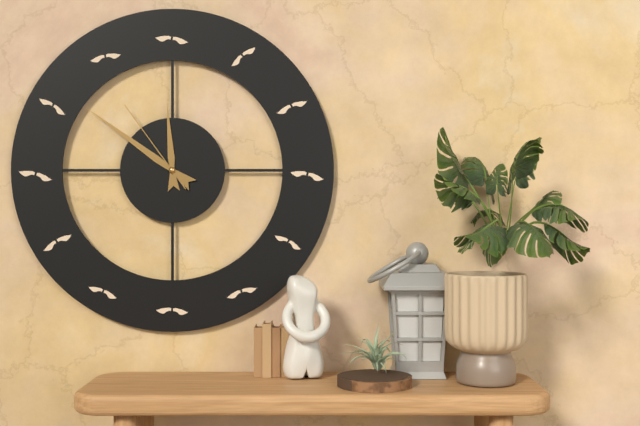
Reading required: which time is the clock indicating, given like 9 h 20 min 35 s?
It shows 11 h 51 min 54 s
